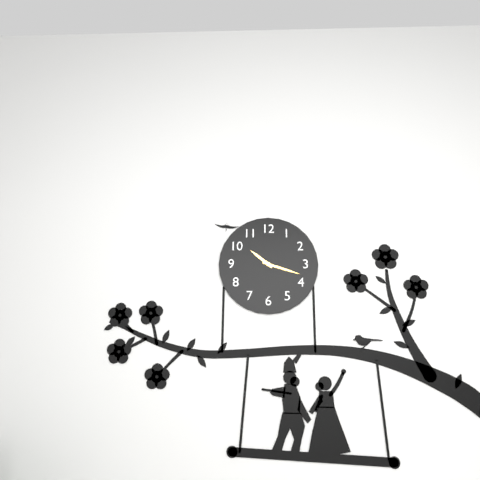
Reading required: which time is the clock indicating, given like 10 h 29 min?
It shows 10 h 18 min
